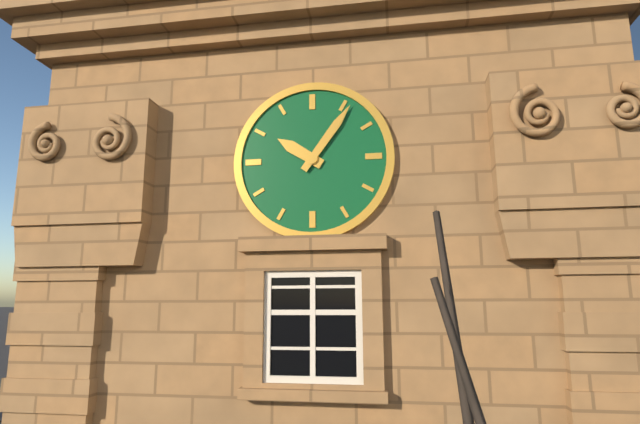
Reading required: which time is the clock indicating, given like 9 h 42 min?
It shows 10 h 06 min
